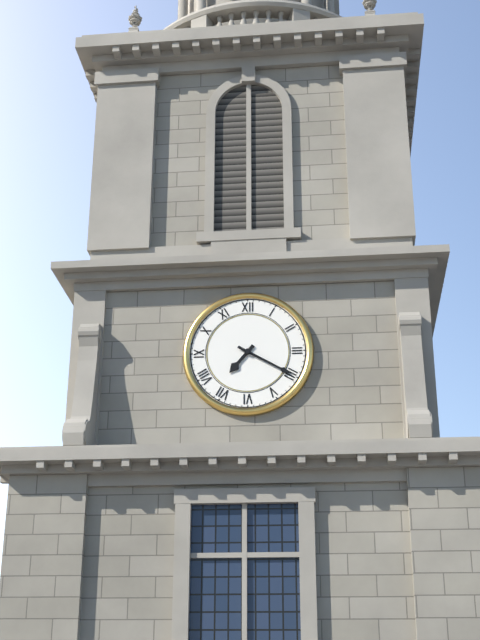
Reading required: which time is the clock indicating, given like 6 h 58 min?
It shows 7 h 20 min
